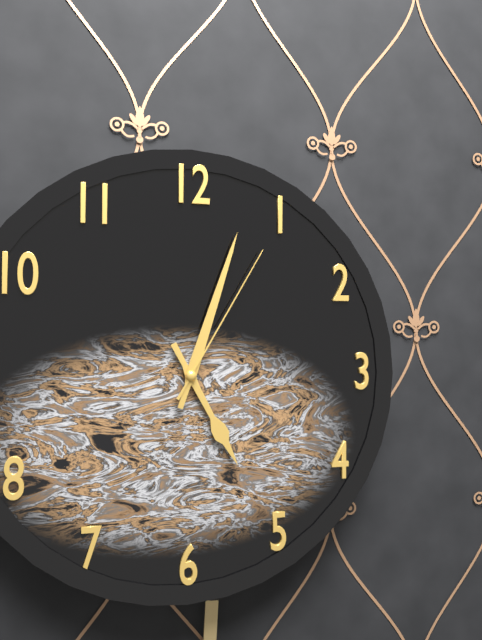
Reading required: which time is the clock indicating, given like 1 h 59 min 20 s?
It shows 5 h 03 min 05 s
